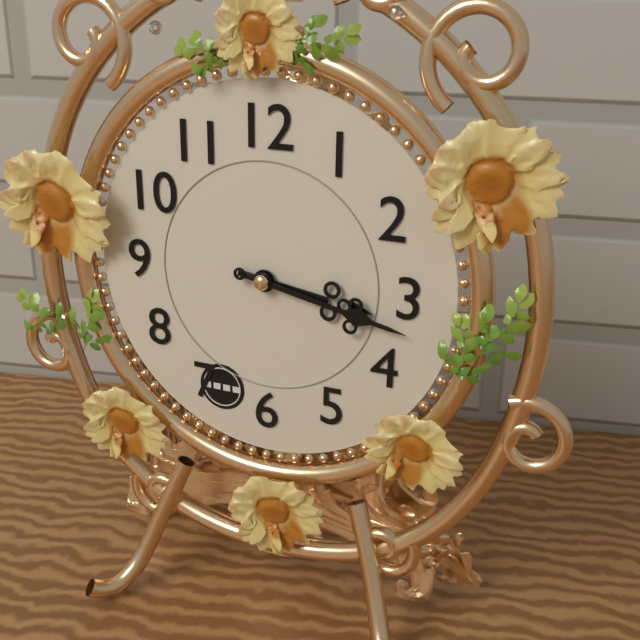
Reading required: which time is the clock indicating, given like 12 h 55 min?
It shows 3 h 17 min
